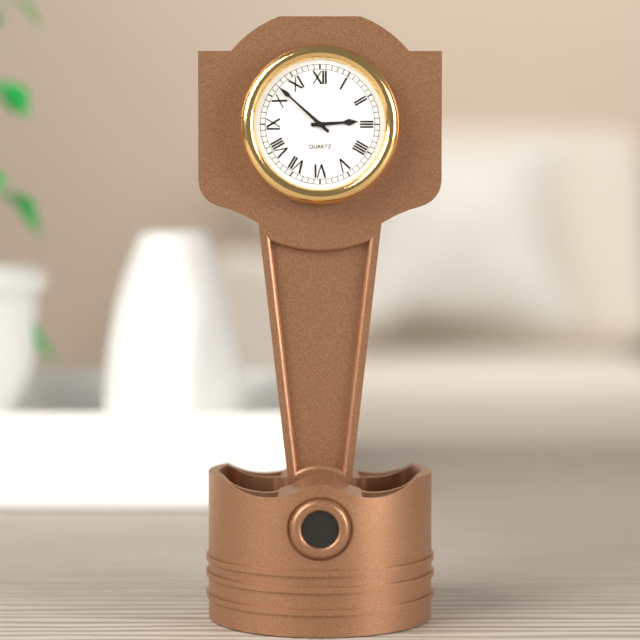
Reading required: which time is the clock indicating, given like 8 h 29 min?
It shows 2 h 52 min
